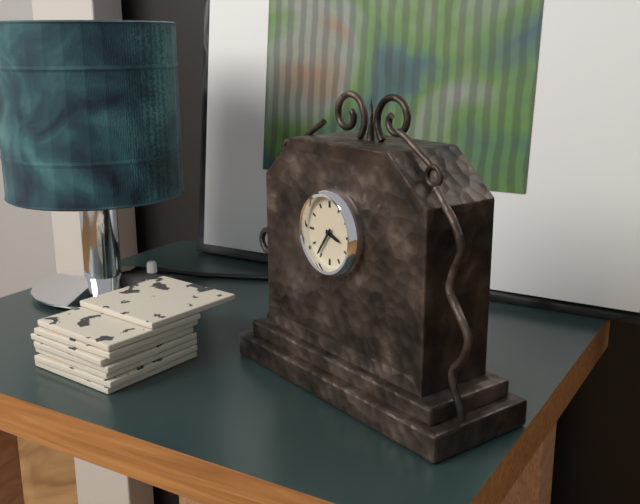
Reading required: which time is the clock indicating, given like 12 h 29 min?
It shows 3 h 36 min
